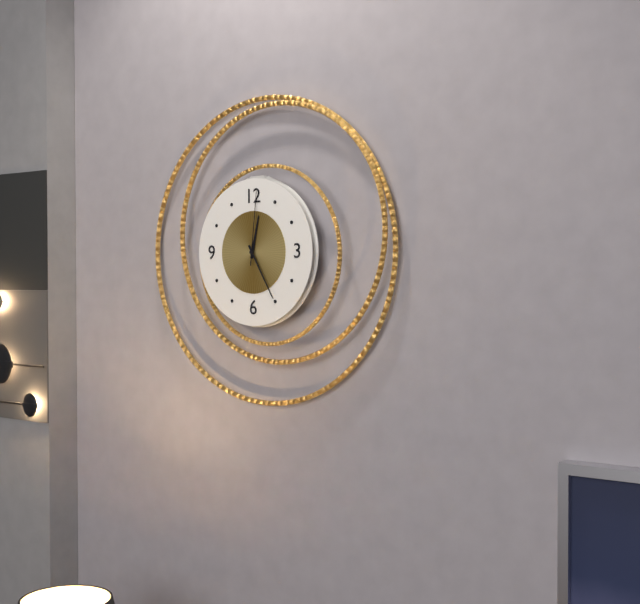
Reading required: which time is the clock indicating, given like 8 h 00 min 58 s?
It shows 12 h 25 min 01 s
